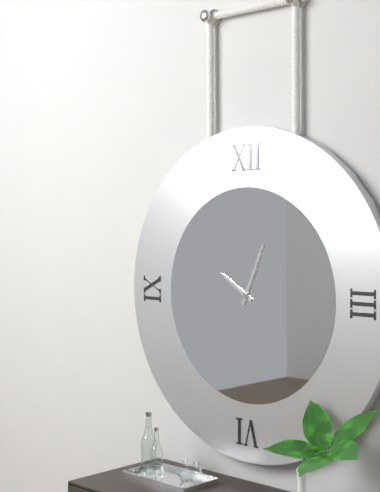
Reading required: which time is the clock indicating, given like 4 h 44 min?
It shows 10 h 04 min
